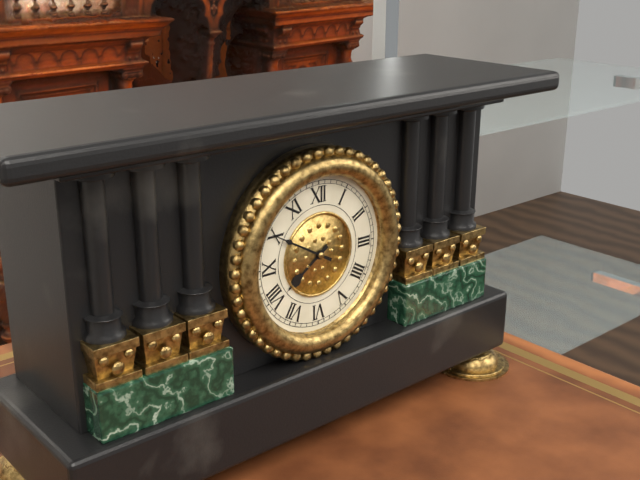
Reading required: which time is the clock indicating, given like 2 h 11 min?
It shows 7 h 50 min
